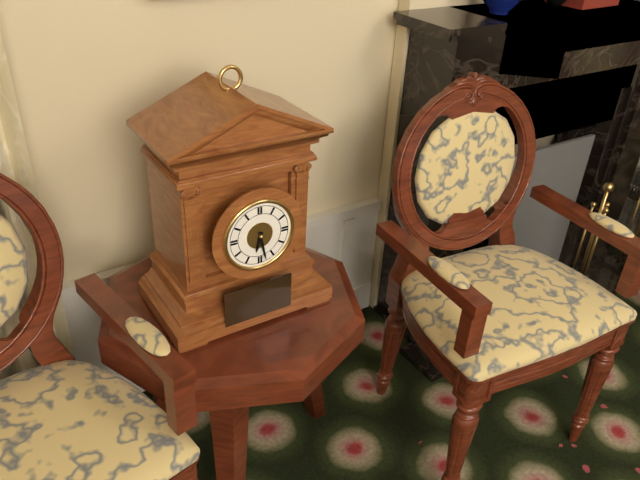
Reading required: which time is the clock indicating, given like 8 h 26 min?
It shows 6 h 28 min
